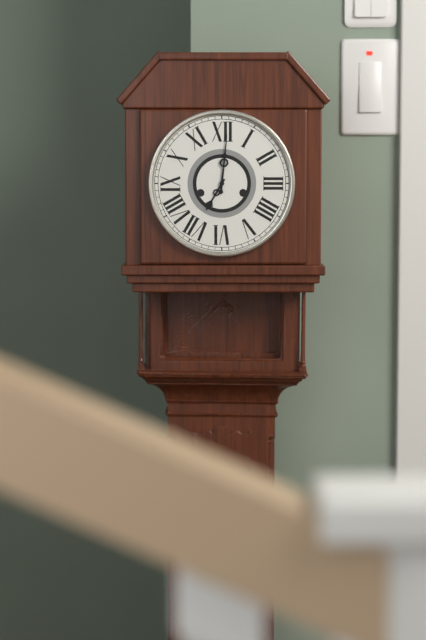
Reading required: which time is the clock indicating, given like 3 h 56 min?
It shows 7 h 01 min
